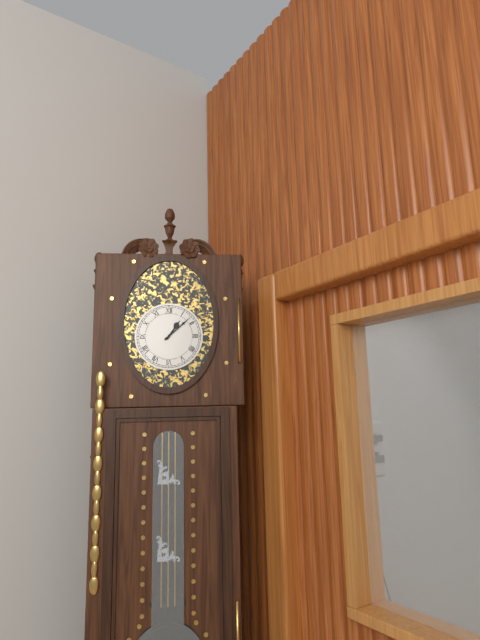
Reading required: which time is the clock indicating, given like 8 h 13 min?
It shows 1 h 08 min
